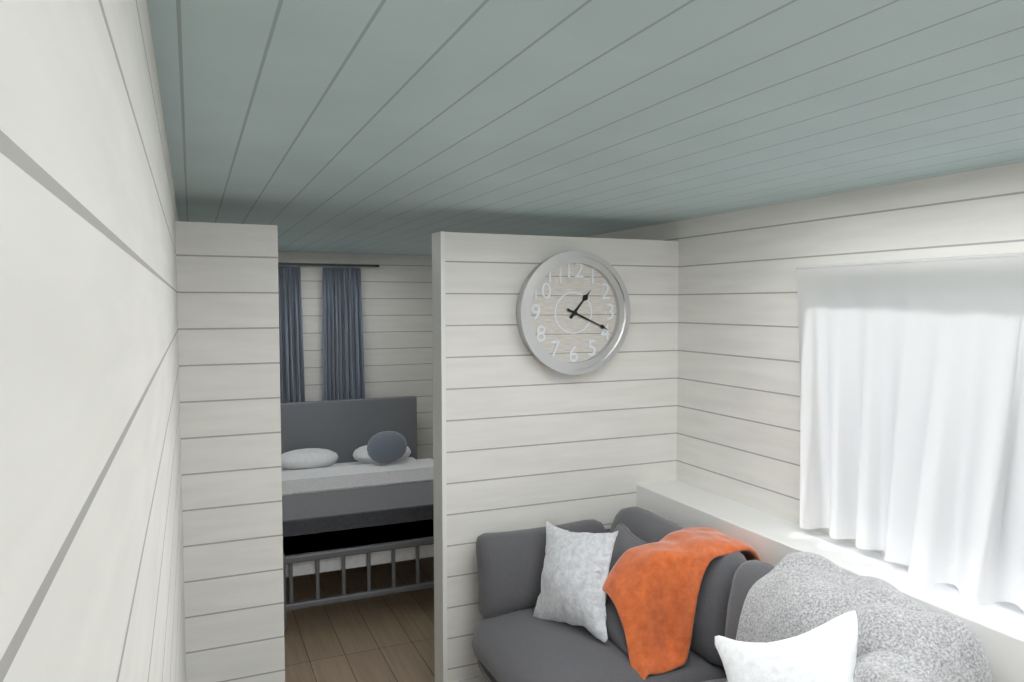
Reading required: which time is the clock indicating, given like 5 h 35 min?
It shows 1 h 19 min
